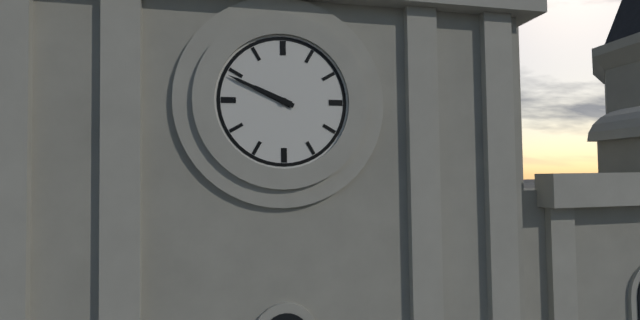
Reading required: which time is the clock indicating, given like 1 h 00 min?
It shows 9 h 49 min
